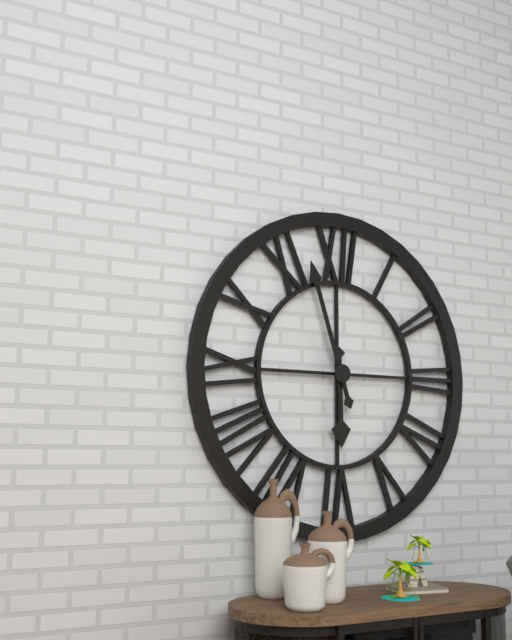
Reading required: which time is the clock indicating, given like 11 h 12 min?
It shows 5 h 57 min
